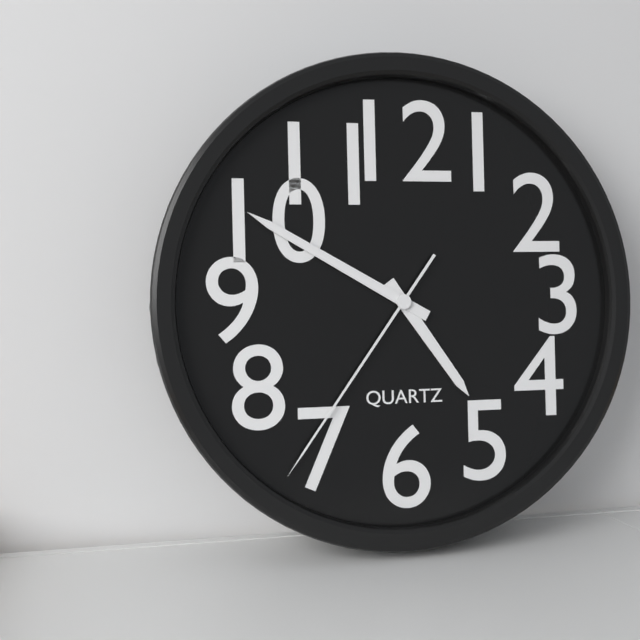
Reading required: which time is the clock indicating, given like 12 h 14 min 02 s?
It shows 4 h 50 min 36 s
